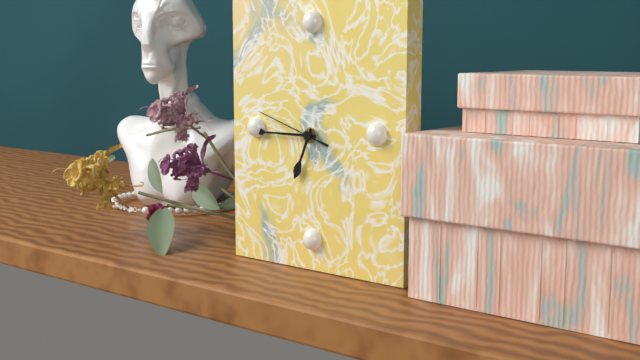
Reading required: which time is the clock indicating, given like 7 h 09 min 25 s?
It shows 6 h 45 min 48 s
